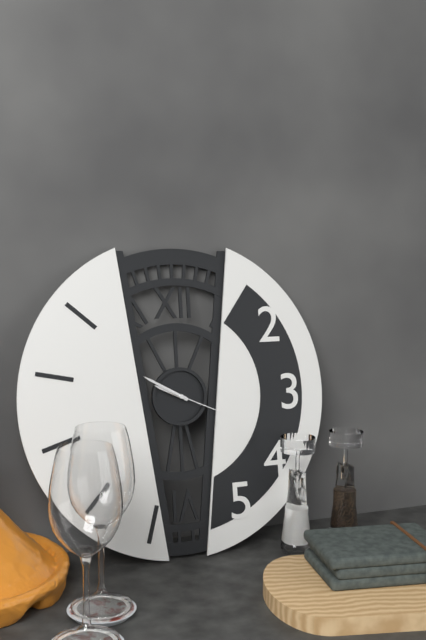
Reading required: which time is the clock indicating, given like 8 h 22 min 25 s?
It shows 9 h 50 min 19 s
